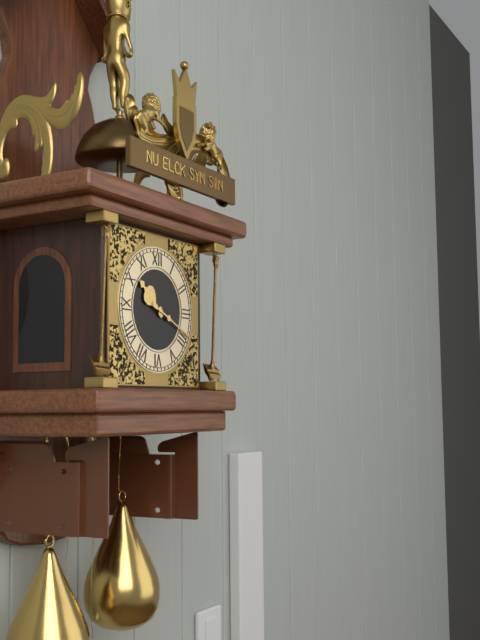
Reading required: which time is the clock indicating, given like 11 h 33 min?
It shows 10 h 19 min
